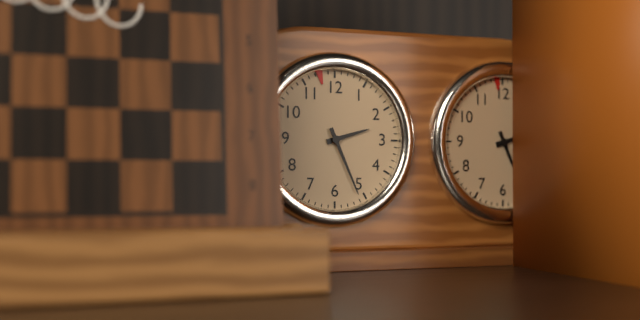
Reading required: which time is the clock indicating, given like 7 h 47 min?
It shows 2 h 26 min
